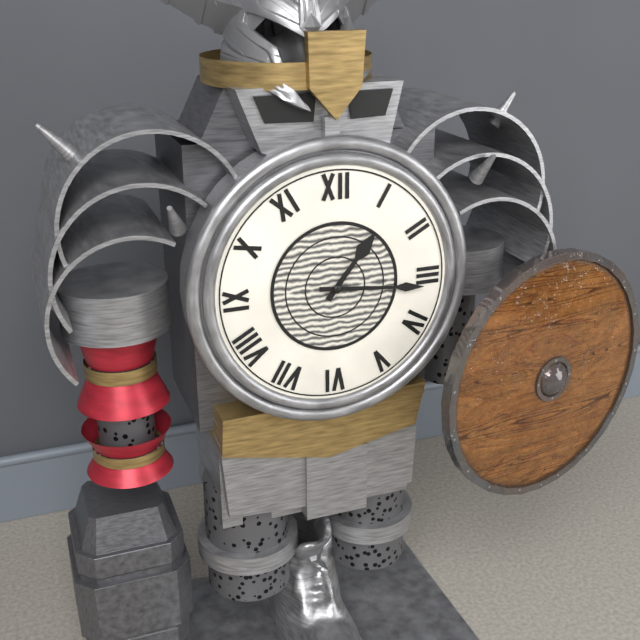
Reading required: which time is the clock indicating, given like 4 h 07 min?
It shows 1 h 16 min
